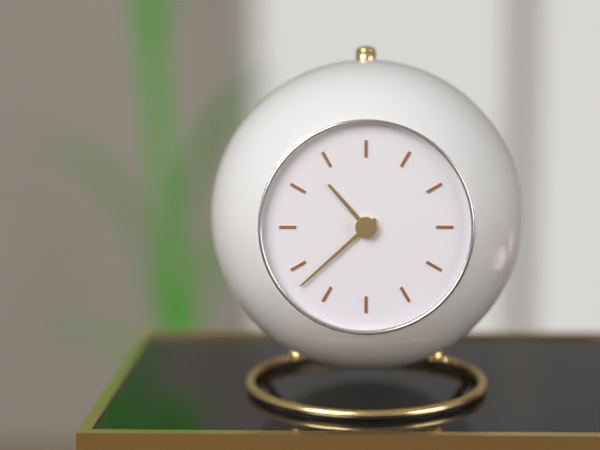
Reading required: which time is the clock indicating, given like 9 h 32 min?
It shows 10 h 38 min
